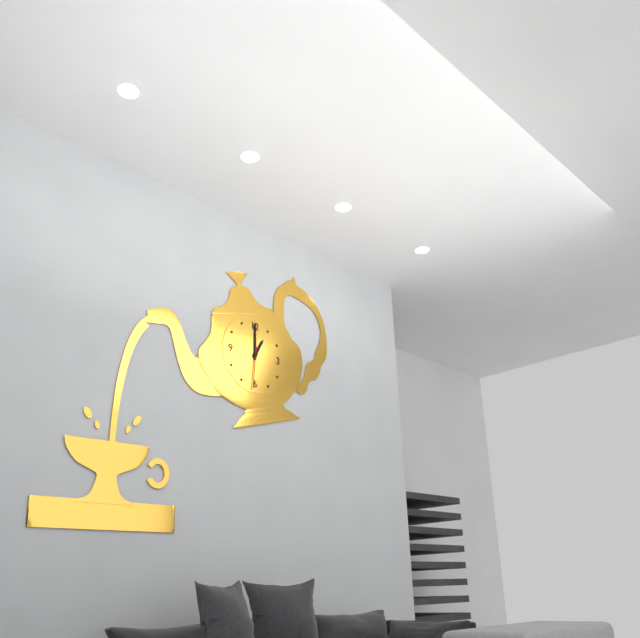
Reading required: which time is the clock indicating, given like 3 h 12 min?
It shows 1 h 00 min
